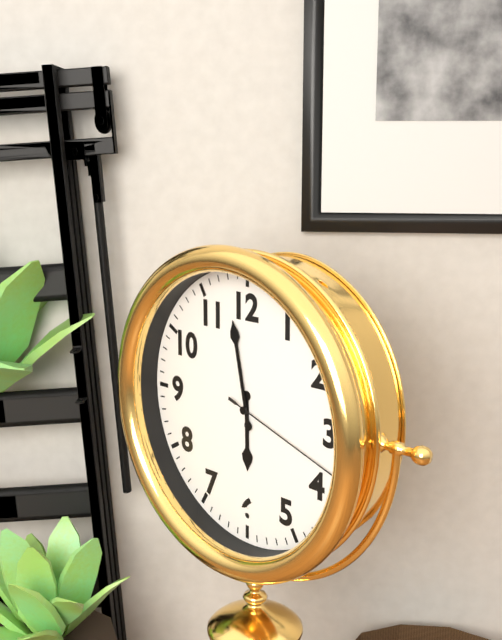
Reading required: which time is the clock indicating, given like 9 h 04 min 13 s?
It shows 5 h 58 min 18 s
